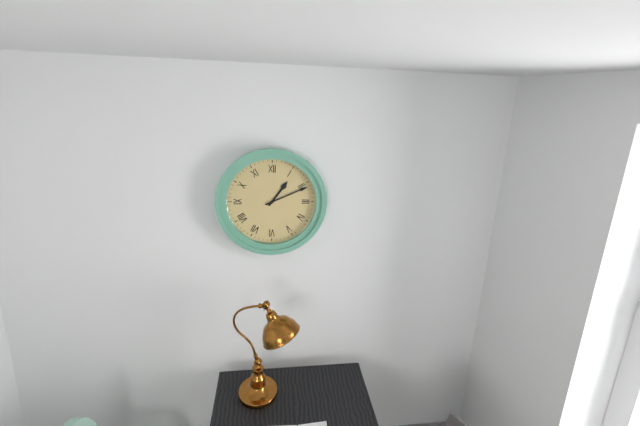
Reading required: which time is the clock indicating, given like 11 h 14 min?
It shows 1 h 11 min
